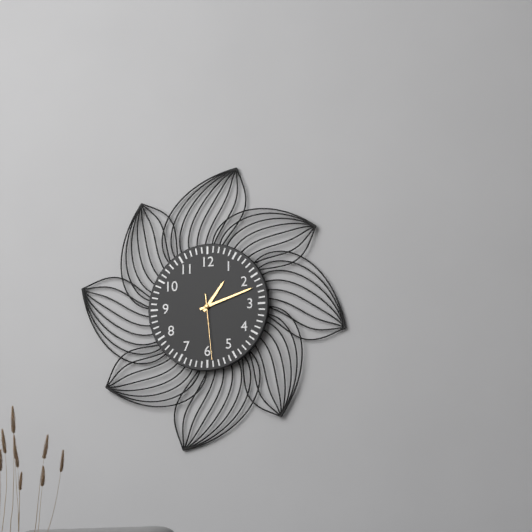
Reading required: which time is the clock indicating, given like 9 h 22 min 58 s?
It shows 1 h 12 min 29 s
